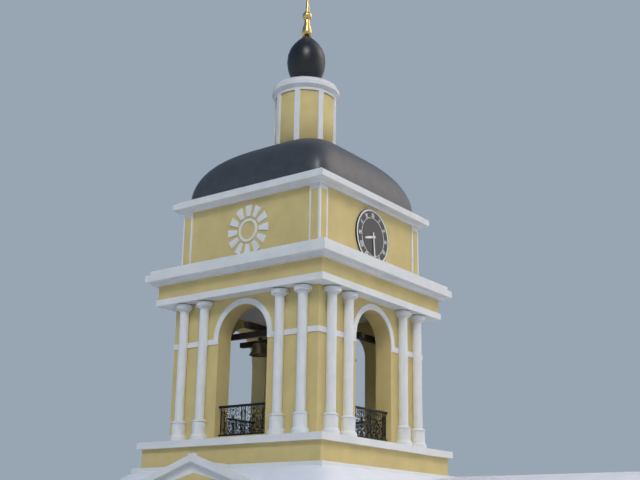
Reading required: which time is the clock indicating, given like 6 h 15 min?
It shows 8 h 29 min
